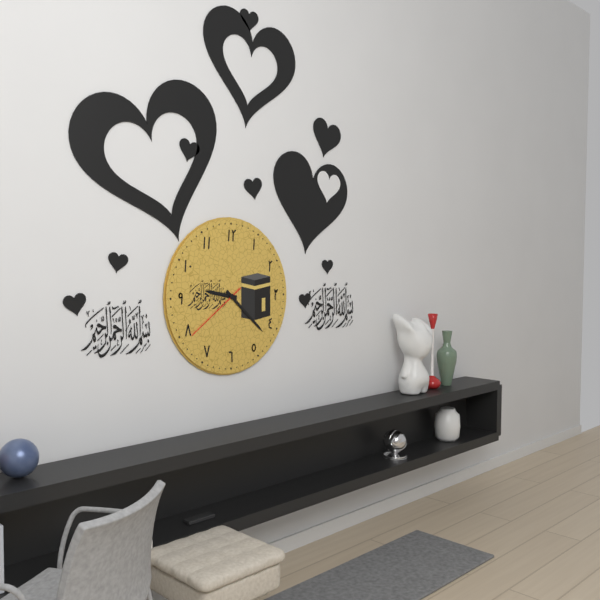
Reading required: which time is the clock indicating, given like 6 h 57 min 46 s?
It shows 9 h 22 min 39 s
